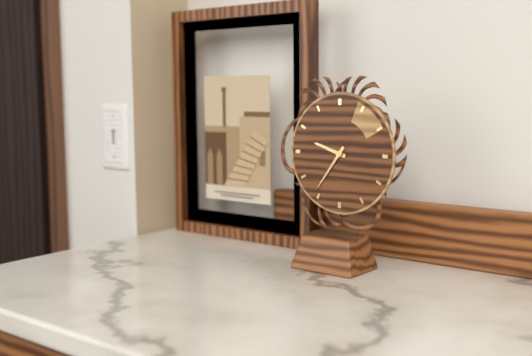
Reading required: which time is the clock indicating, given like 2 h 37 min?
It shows 9 h 36 min
